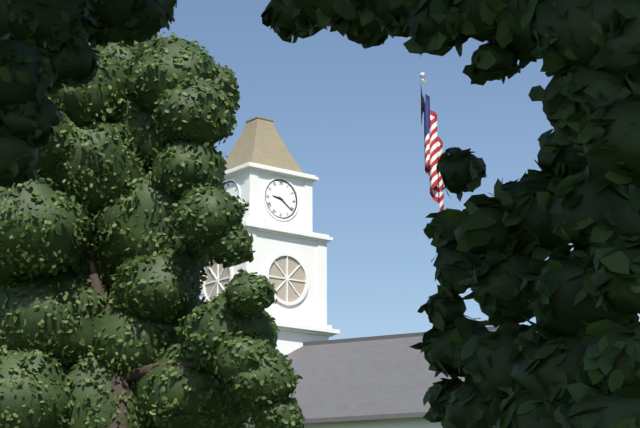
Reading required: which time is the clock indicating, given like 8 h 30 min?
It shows 9 h 21 min
